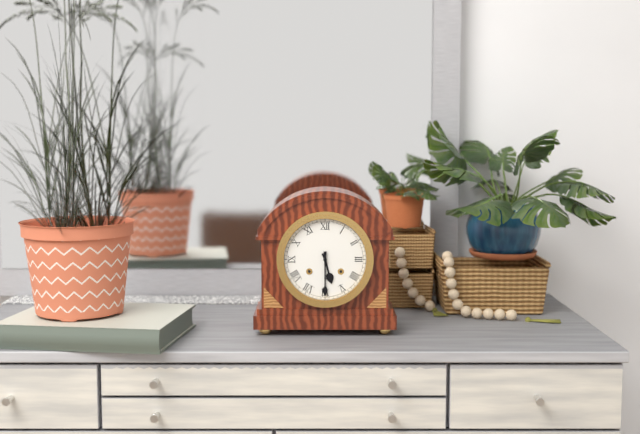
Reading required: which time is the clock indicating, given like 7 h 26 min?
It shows 5 h 30 min
